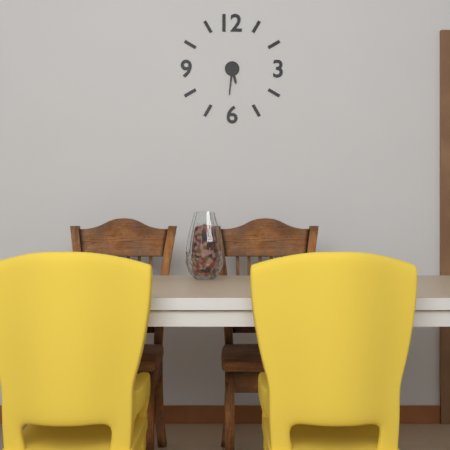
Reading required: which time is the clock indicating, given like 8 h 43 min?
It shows 5 h 31 min
